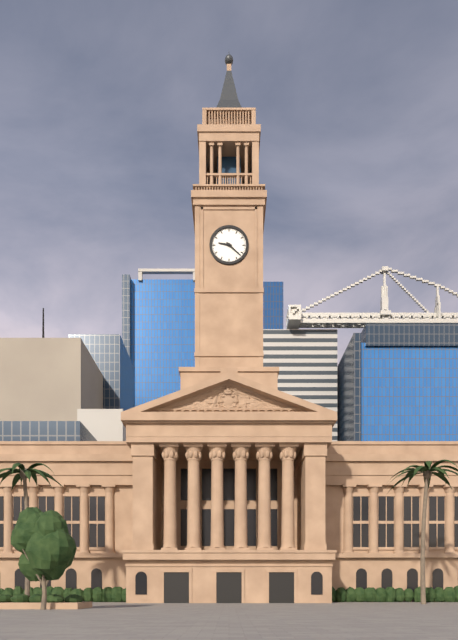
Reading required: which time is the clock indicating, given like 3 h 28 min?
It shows 9 h 22 min
